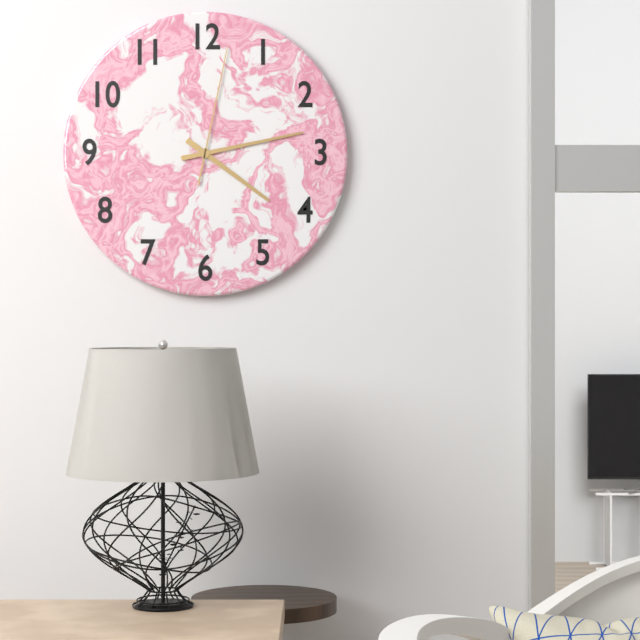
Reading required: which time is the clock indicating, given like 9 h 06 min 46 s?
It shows 4 h 13 min 02 s
